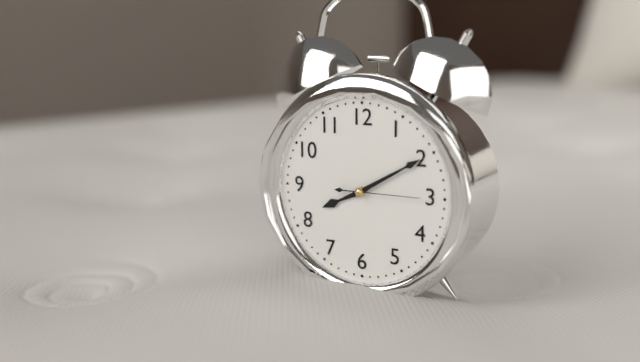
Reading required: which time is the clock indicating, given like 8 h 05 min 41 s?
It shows 8 h 10 min 15 s
